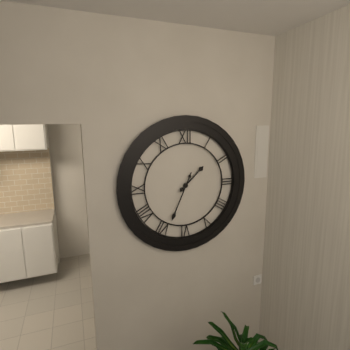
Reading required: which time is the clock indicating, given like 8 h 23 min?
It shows 1 h 34 min
